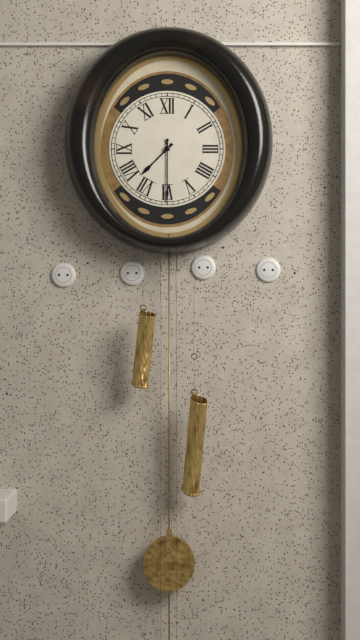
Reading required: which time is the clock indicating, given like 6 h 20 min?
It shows 7 h 30 min
